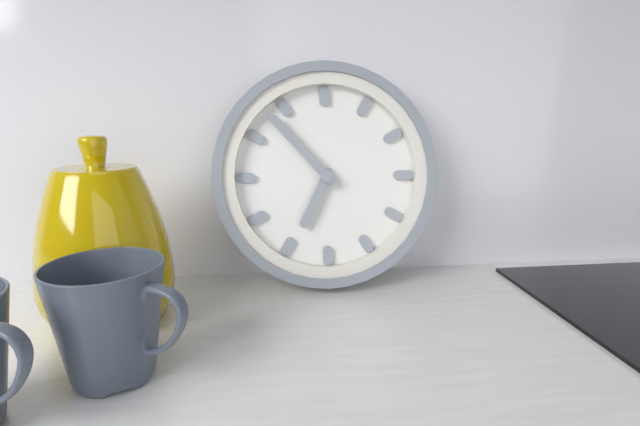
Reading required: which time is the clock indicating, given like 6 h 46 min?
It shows 6 h 53 min
